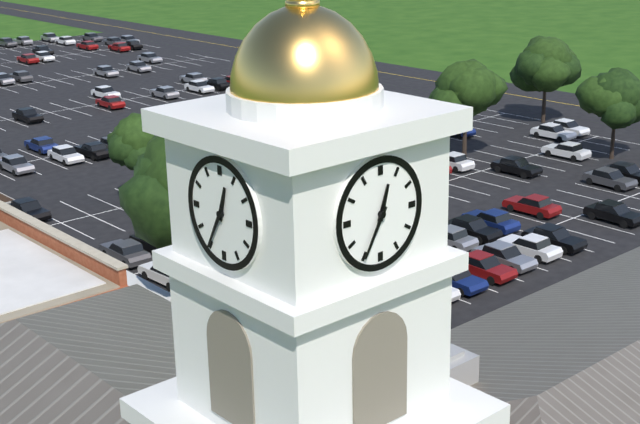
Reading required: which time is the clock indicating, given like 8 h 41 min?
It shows 12 h 35 min
